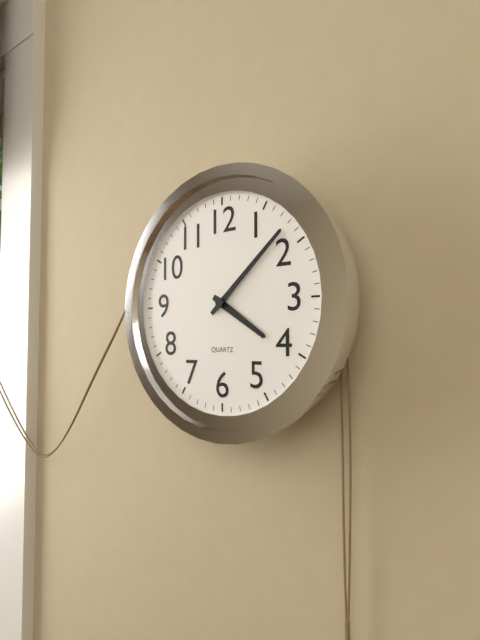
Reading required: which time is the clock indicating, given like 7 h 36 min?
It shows 4 h 08 min
